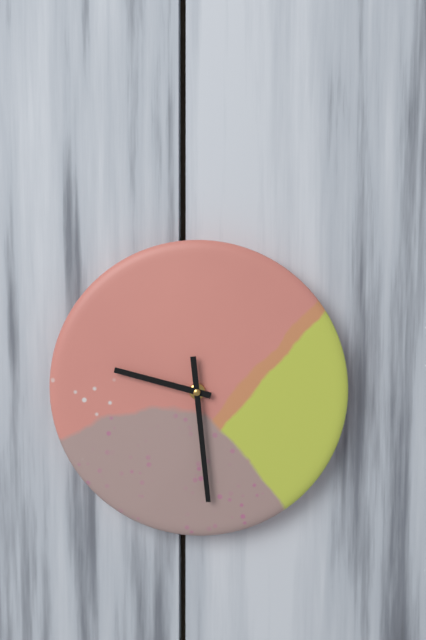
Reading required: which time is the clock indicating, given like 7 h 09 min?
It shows 9 h 29 min
